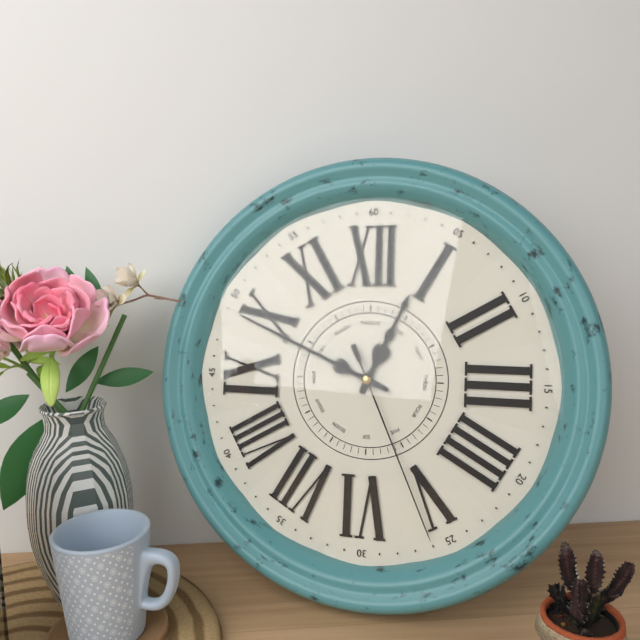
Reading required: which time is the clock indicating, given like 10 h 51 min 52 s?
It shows 12 h 49 min 26 s
